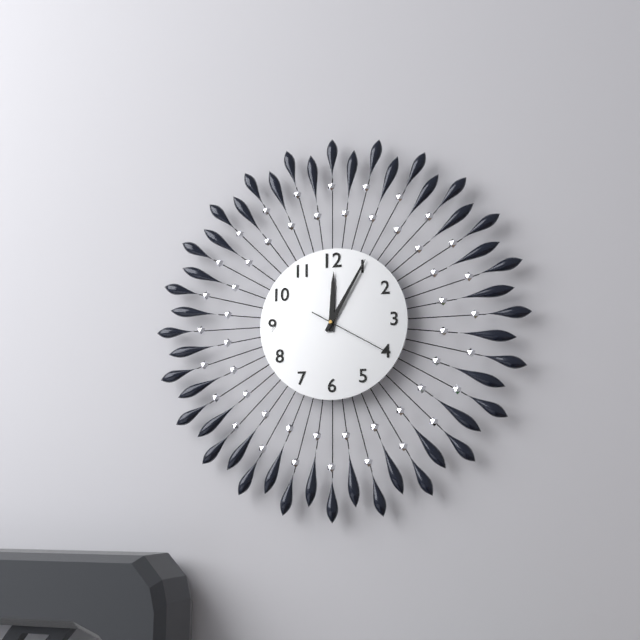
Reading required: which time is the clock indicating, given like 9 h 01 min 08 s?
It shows 12 h 05 min 20 s
